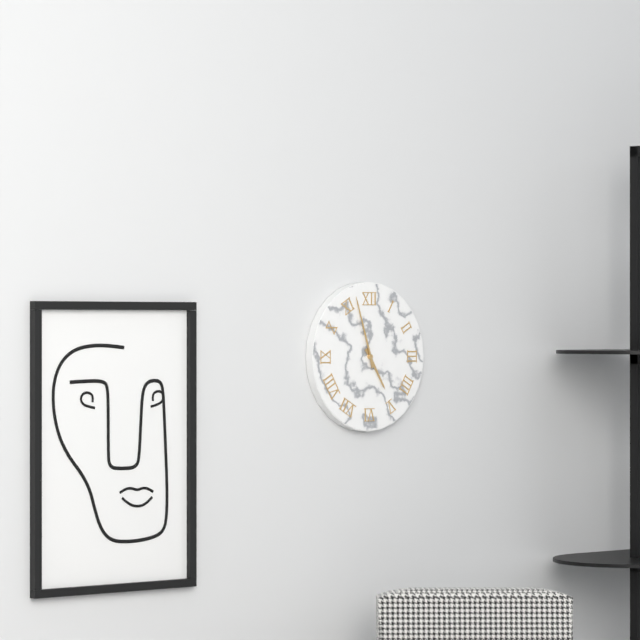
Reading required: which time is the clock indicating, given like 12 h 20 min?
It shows 4 h 57 min
